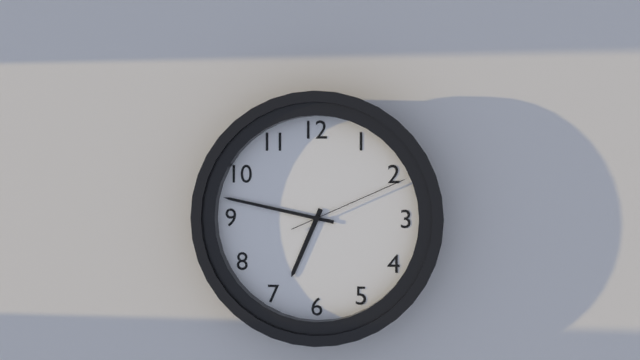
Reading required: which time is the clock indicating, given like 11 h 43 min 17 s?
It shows 6 h 47 min 11 s
